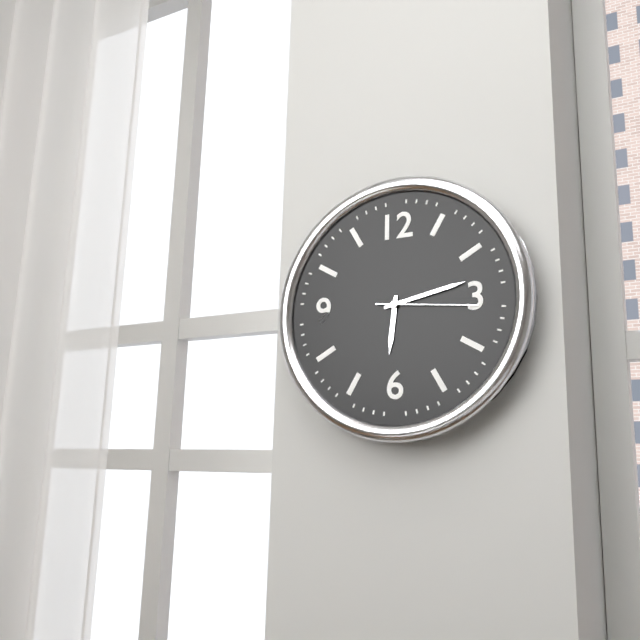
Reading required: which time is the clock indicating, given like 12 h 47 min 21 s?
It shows 6 h 13 min 16 s
